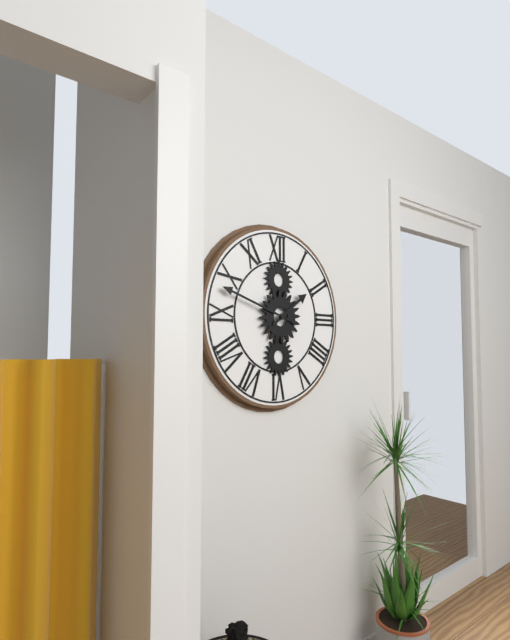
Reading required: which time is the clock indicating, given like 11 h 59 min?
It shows 1 h 48 min
